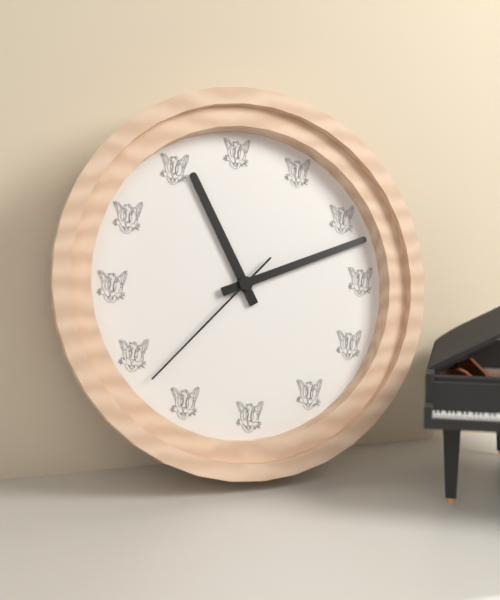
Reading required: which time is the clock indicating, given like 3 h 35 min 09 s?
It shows 11 h 12 min 38 s
